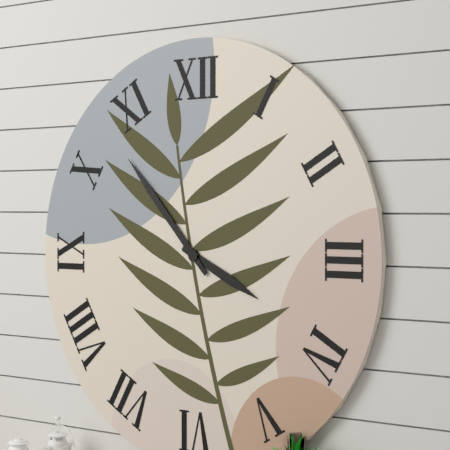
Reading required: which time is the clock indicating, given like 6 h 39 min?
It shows 3 h 53 min
